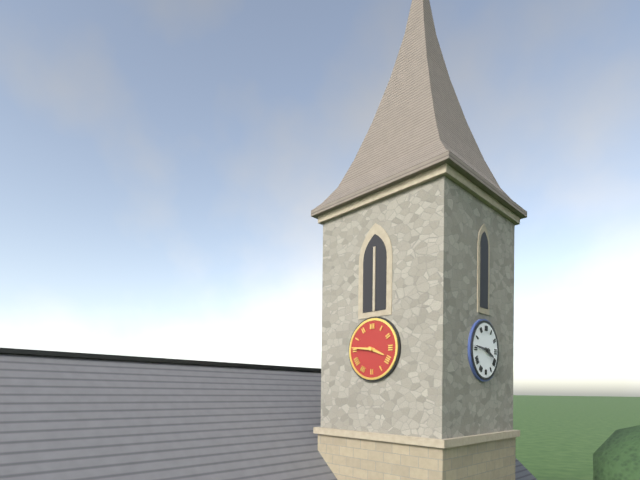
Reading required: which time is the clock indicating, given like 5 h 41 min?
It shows 3 h 46 min
